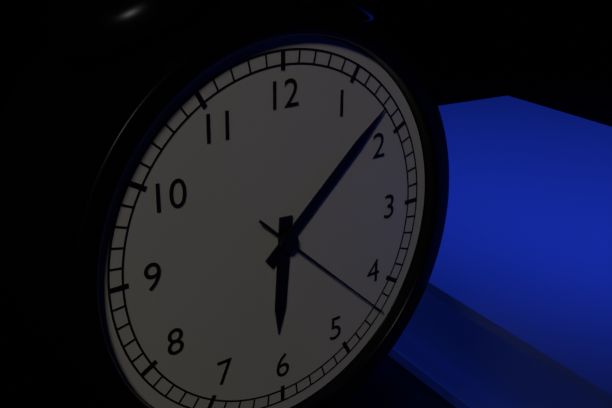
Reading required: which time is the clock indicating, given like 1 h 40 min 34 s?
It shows 6 h 08 min 22 s
